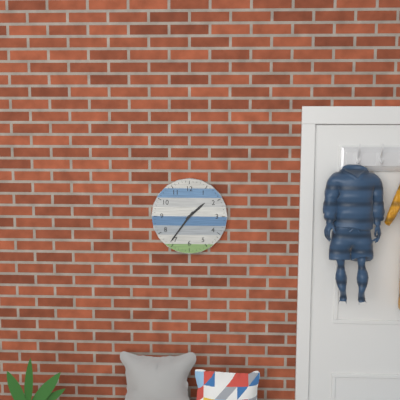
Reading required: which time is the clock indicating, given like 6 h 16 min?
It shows 1 h 36 min
